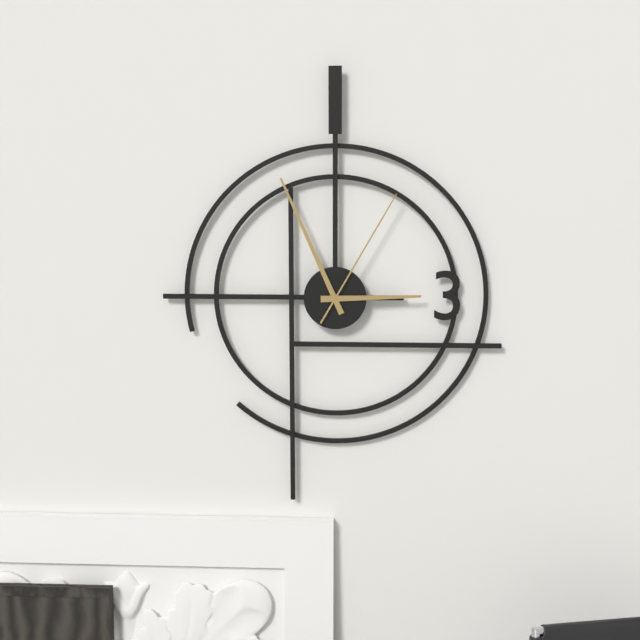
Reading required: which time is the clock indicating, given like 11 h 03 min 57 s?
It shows 2 h 56 min 05 s
